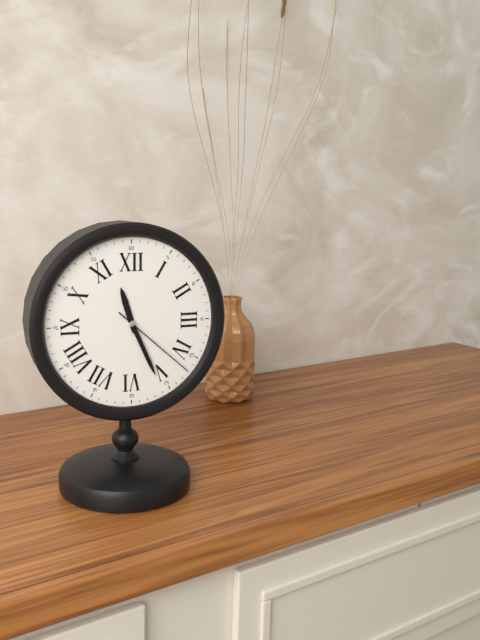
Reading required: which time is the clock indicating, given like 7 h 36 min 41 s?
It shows 11 h 26 min 22 s
